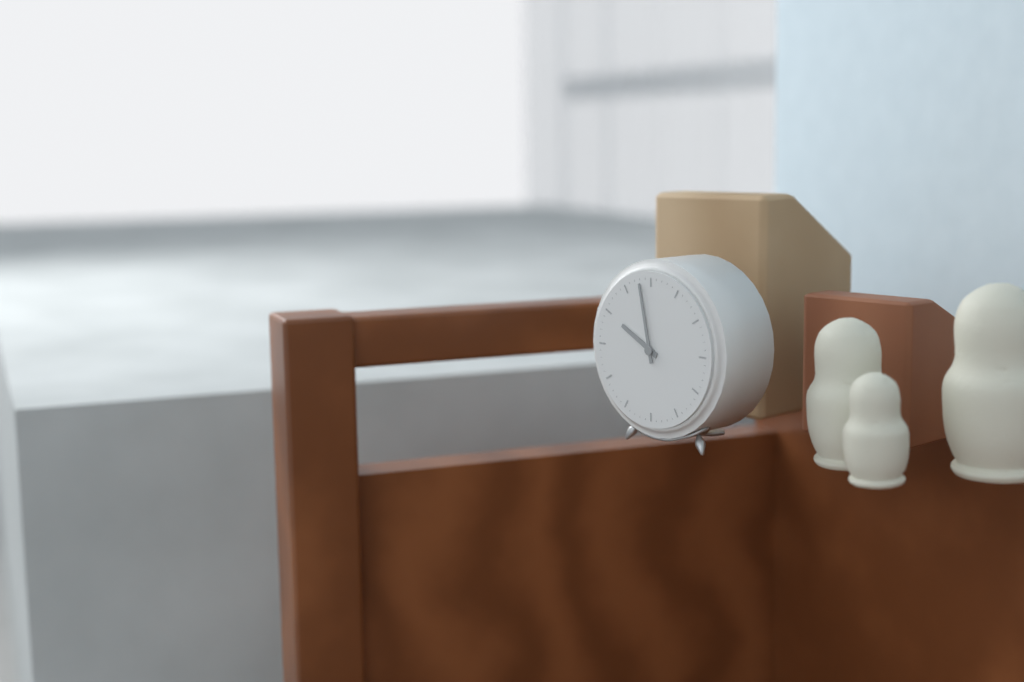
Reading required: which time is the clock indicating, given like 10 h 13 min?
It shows 9 h 58 min
